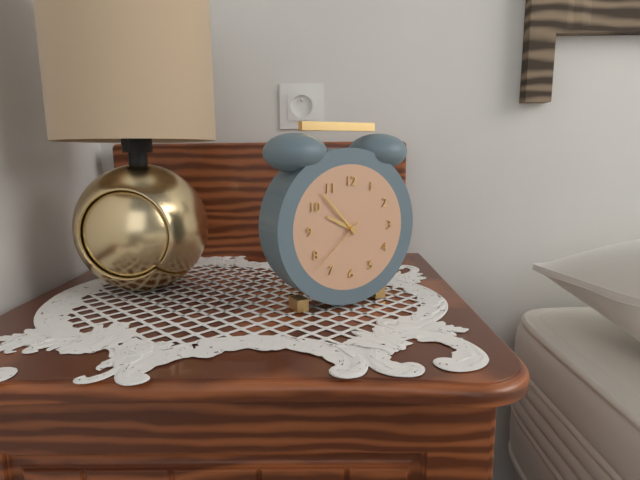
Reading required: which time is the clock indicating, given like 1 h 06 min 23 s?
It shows 9 h 53 min 38 s
